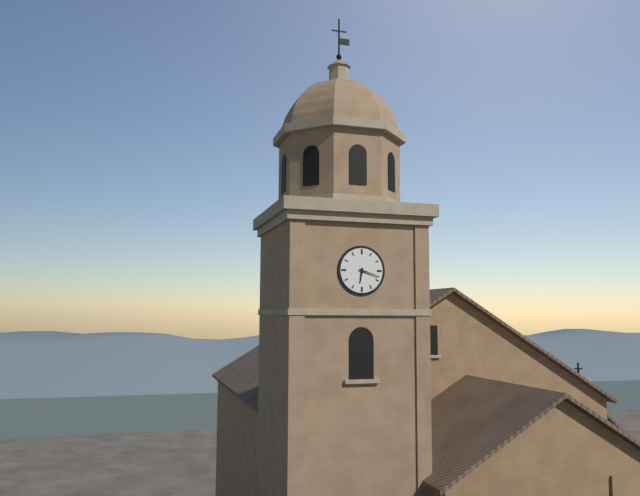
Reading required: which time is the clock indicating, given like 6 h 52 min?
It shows 6 h 18 min
